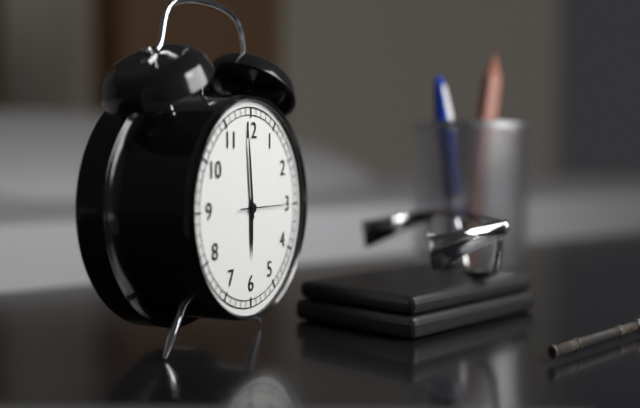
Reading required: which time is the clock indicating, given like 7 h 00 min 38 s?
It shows 5 h 59 min 15 s
